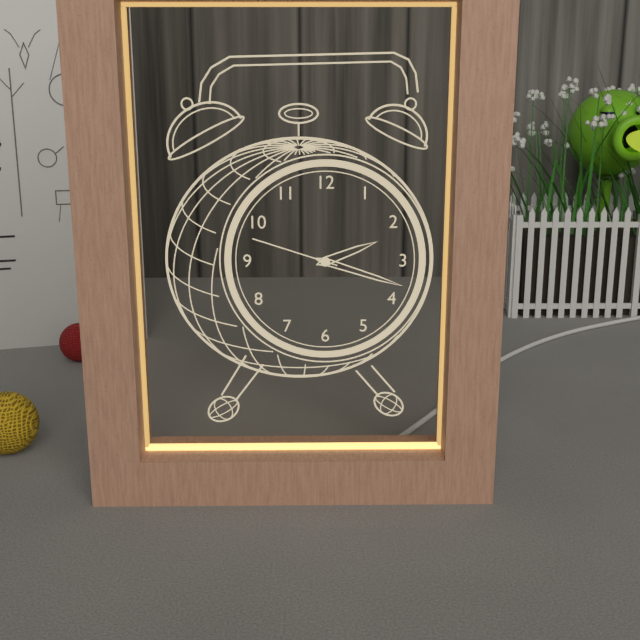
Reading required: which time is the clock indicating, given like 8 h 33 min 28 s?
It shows 2 h 18 min 48 s
